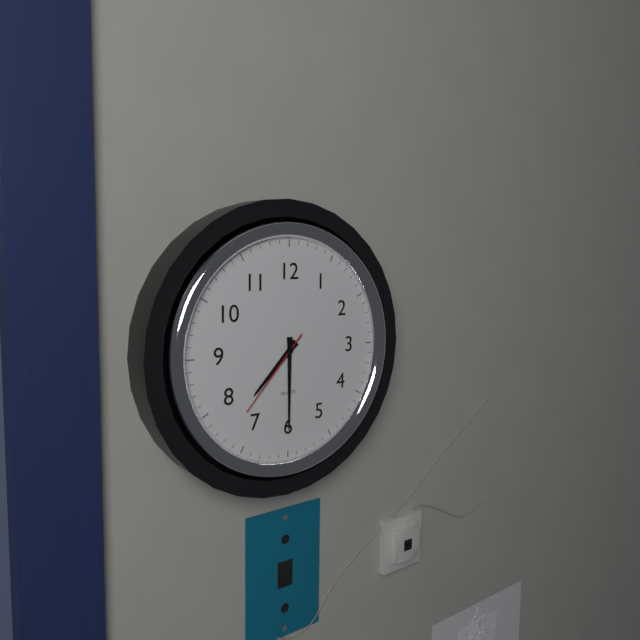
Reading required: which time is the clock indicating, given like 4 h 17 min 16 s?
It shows 7 h 30 min 37 s
